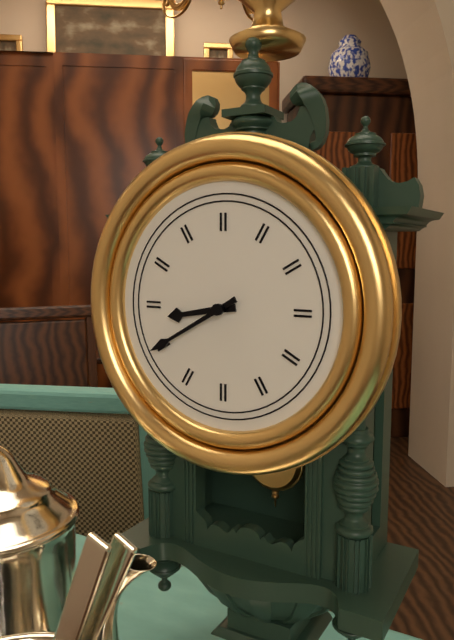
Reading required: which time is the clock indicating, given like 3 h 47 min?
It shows 8 h 40 min
